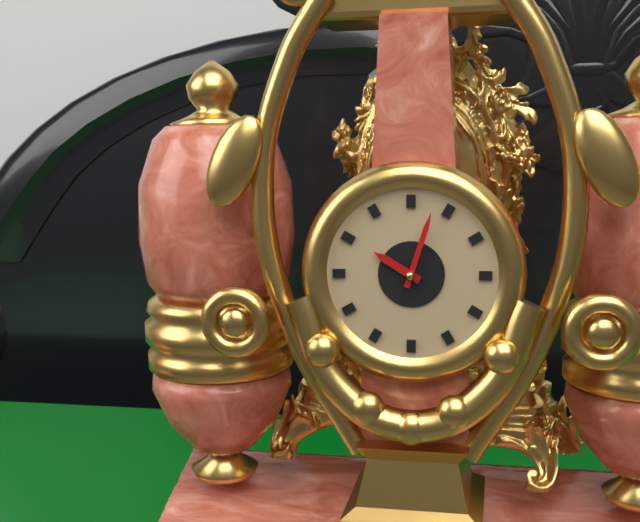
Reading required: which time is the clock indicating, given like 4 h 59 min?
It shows 10 h 03 min
